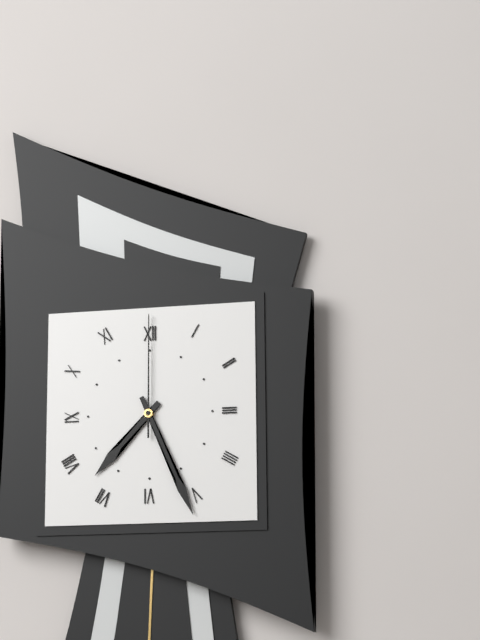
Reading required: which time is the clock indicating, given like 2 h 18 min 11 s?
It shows 7 h 26 min 00 s
